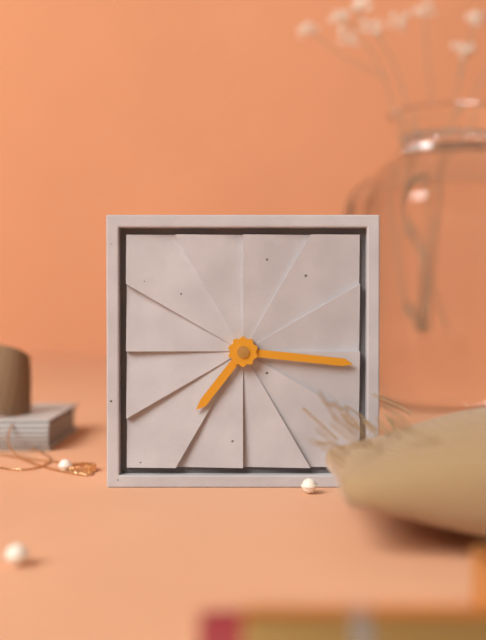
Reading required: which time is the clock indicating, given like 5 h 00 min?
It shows 7 h 16 min
